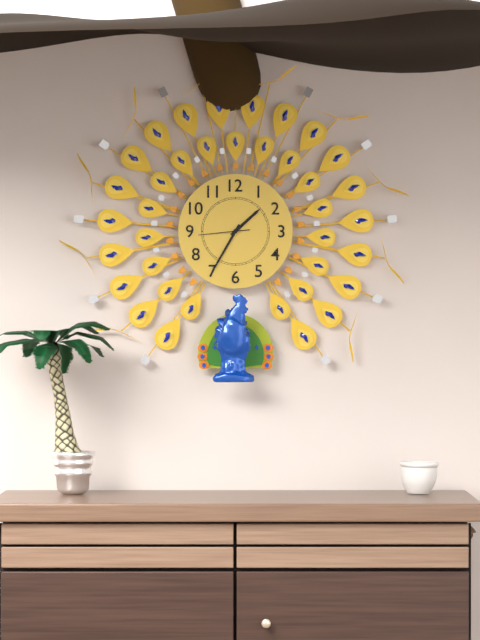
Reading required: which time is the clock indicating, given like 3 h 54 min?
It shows 1 h 35 min
